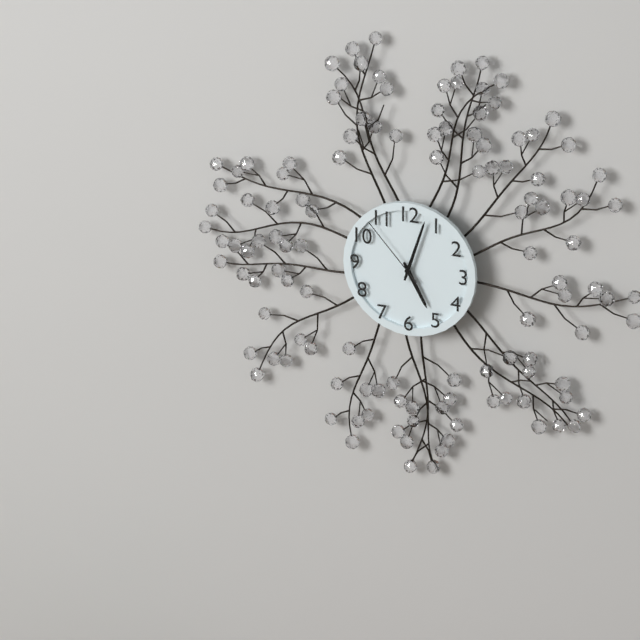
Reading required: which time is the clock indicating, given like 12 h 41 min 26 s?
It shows 5 h 03 min 53 s
